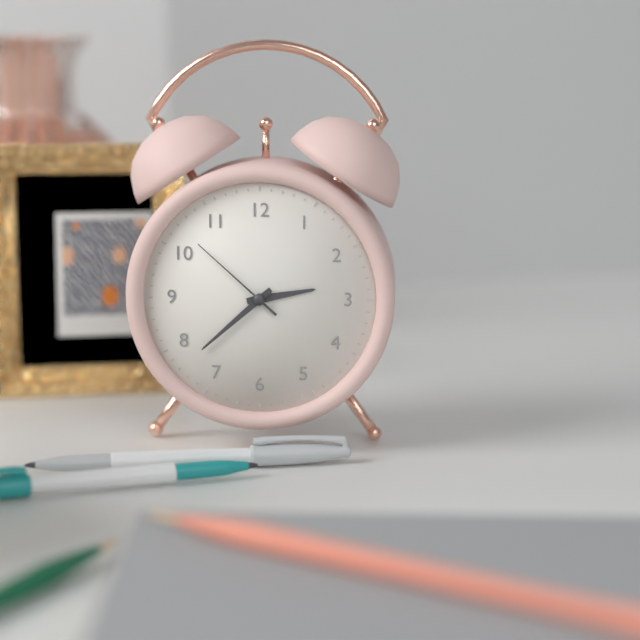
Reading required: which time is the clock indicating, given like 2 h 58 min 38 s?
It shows 2 h 38 min 52 s
